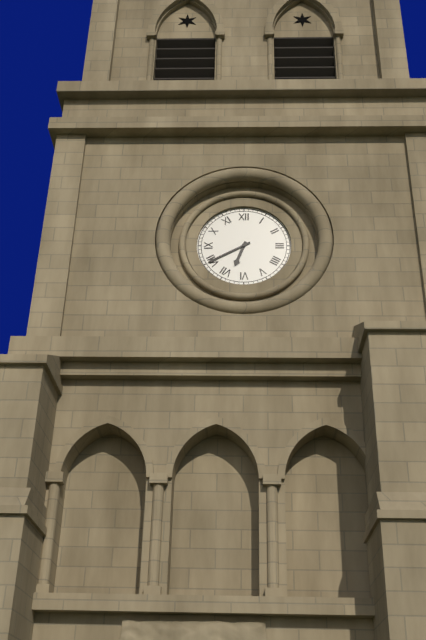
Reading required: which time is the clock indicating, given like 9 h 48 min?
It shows 6 h 40 min
